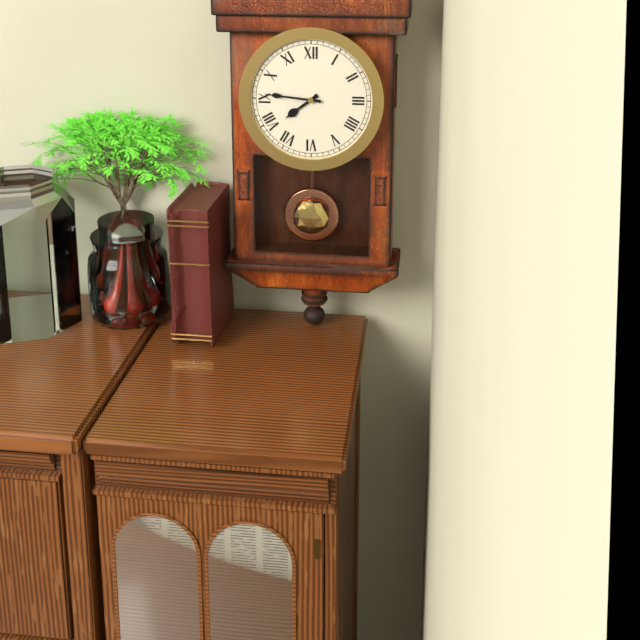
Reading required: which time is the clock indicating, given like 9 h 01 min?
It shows 7 h 46 min
